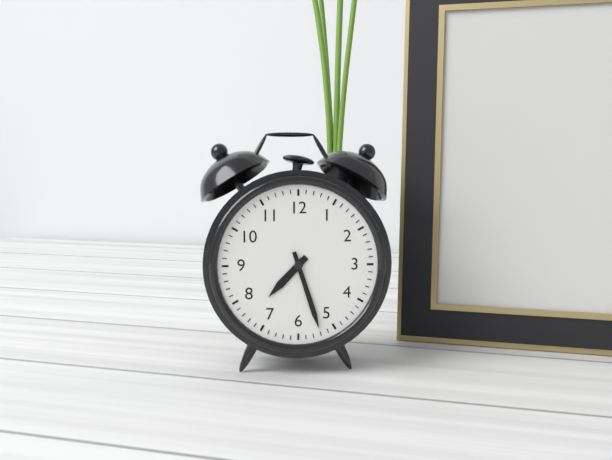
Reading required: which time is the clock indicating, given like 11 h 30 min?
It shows 7 h 27 min
